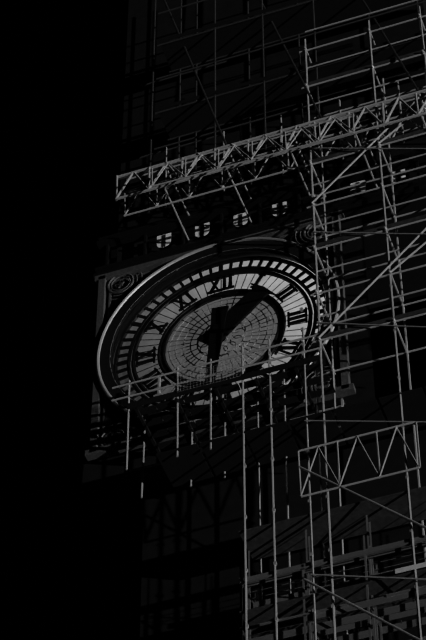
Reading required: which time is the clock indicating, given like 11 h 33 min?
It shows 1 h 31 min
